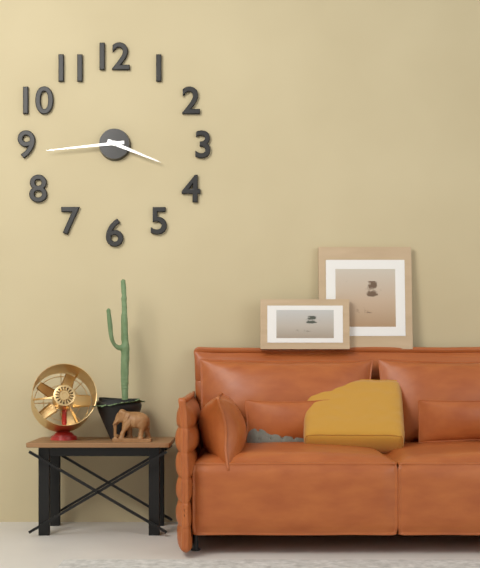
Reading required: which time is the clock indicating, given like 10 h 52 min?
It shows 3 h 44 min
